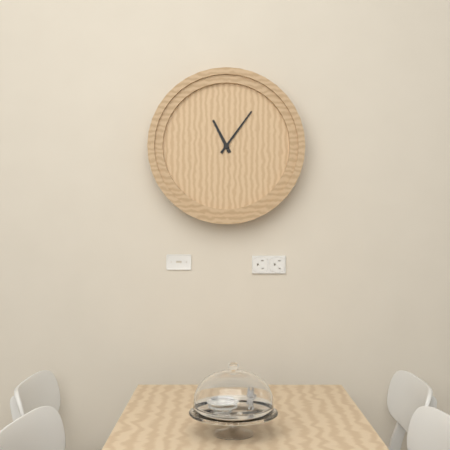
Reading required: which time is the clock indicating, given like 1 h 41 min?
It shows 11 h 06 min
